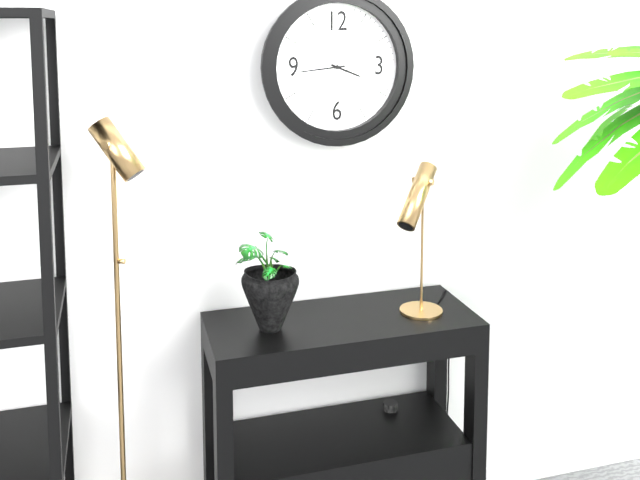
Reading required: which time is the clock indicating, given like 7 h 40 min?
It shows 3 h 44 min
